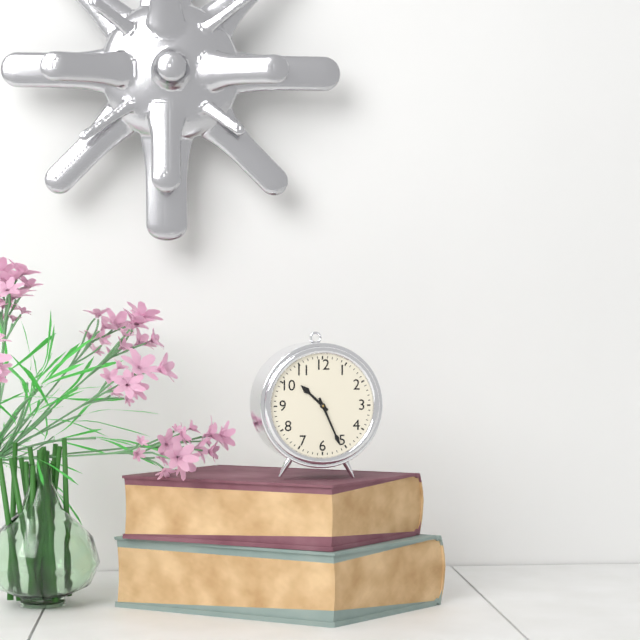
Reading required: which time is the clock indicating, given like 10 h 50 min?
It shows 10 h 26 min
